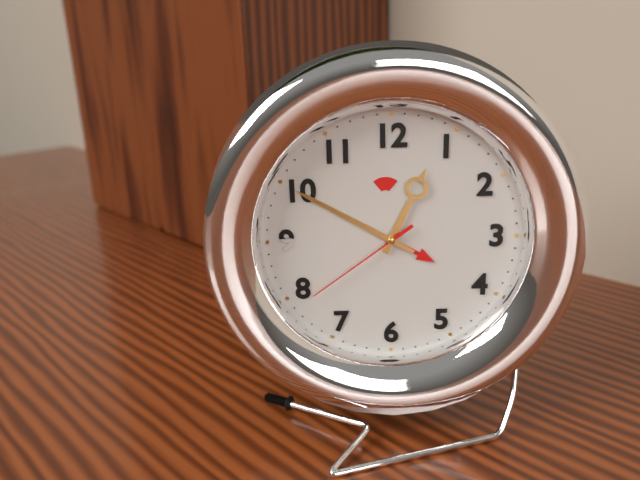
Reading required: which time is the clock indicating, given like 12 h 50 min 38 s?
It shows 12 h 50 min 39 s
